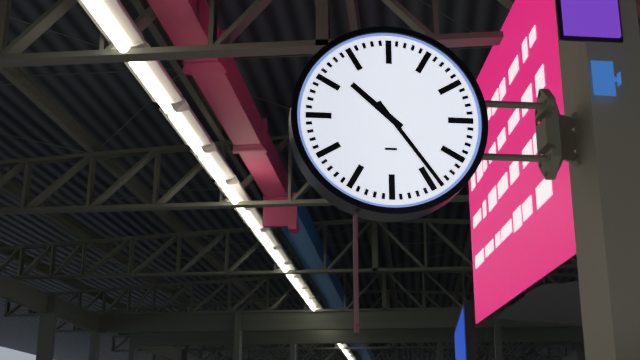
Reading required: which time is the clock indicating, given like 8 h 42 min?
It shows 10 h 24 min
